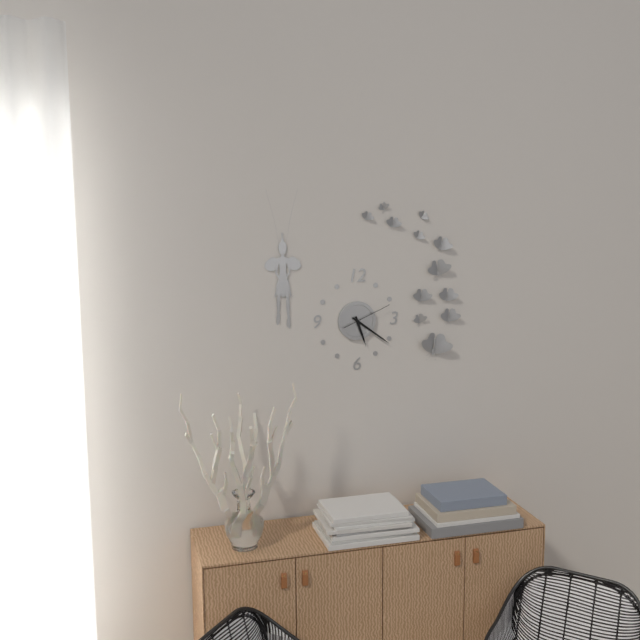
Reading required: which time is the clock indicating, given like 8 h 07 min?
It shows 5 h 21 min
